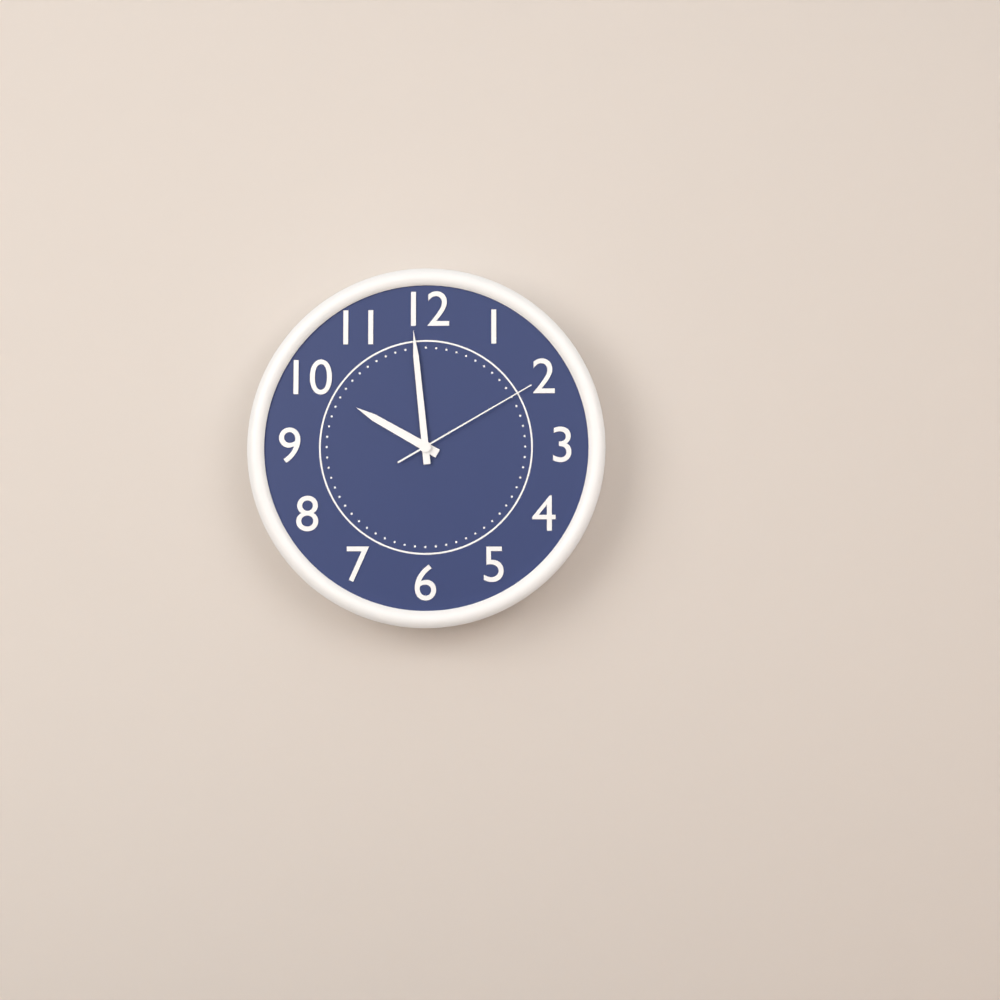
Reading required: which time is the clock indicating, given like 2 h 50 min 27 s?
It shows 9 h 59 min 10 s
